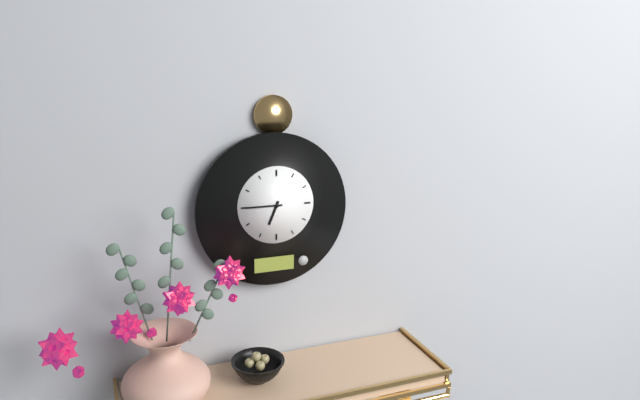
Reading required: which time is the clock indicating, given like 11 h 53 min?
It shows 6 h 45 min
